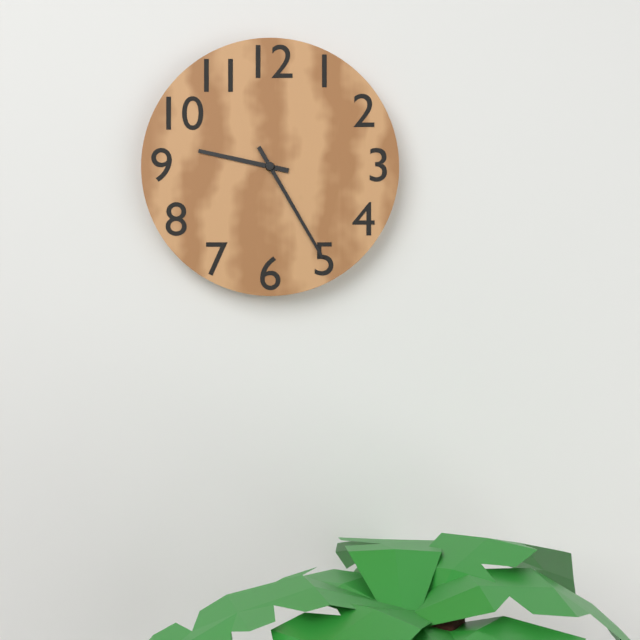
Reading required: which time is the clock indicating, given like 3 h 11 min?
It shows 9 h 25 min
